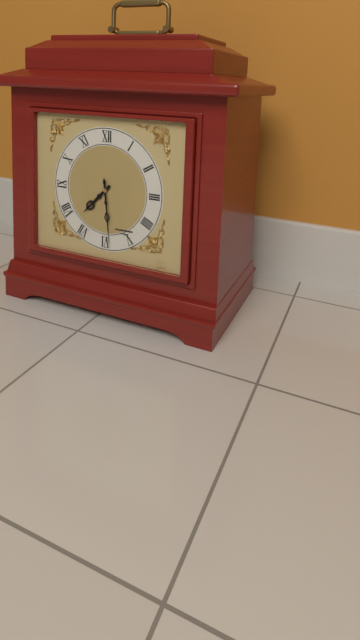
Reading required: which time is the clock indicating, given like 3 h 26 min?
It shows 7 h 29 min
